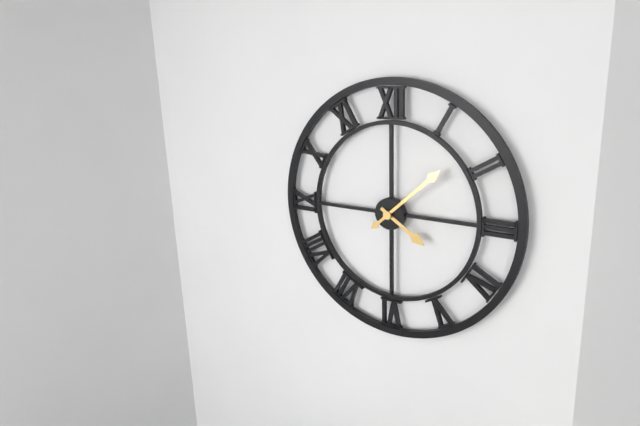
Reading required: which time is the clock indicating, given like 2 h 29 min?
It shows 4 h 08 min
